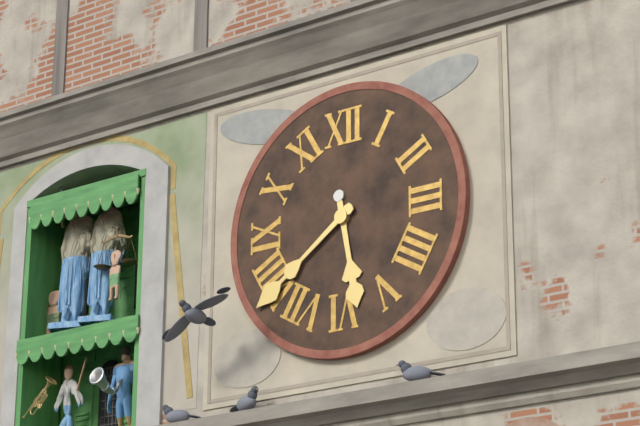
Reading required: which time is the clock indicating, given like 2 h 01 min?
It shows 5 h 39 min
